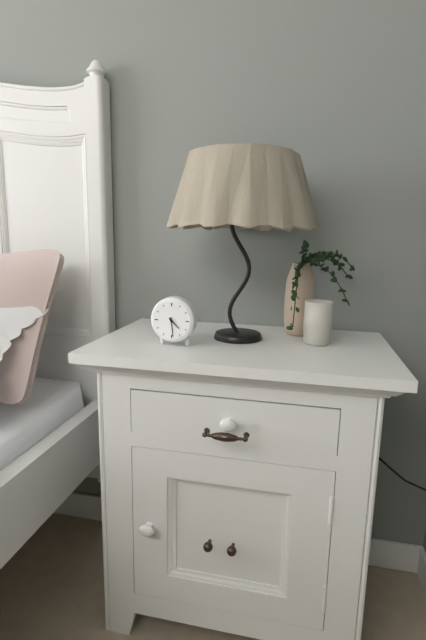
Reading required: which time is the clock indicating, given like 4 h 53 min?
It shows 4 h 29 min
